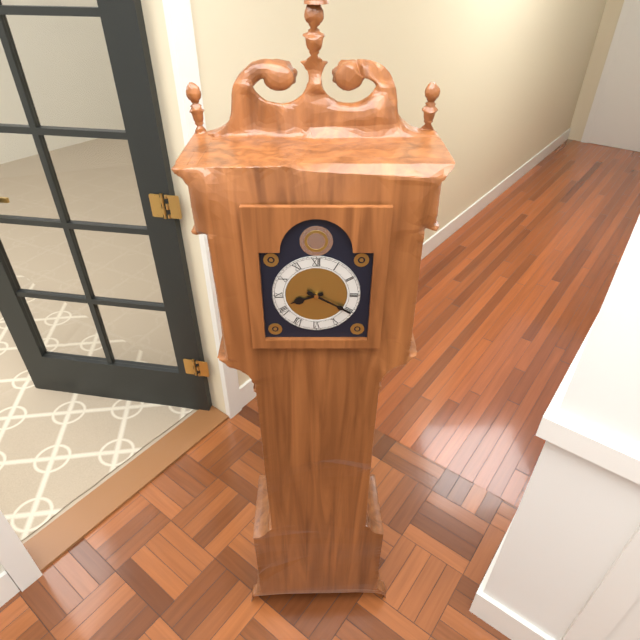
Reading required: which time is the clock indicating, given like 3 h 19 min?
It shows 8 h 20 min
